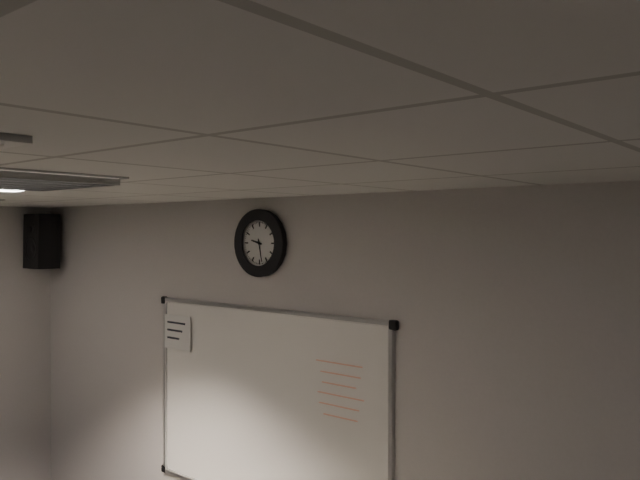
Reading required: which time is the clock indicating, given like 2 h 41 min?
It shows 9 h 28 min
